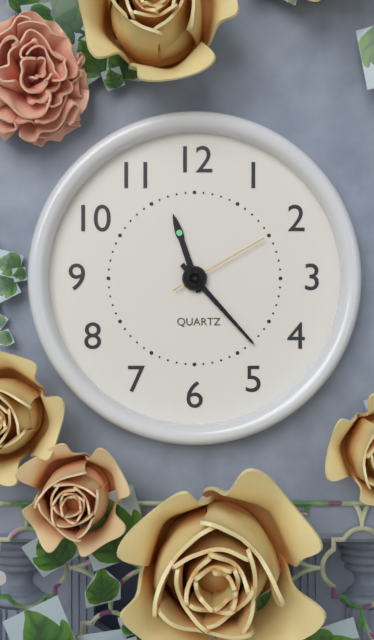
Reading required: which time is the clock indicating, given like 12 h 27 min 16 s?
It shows 11 h 23 min 10 s
